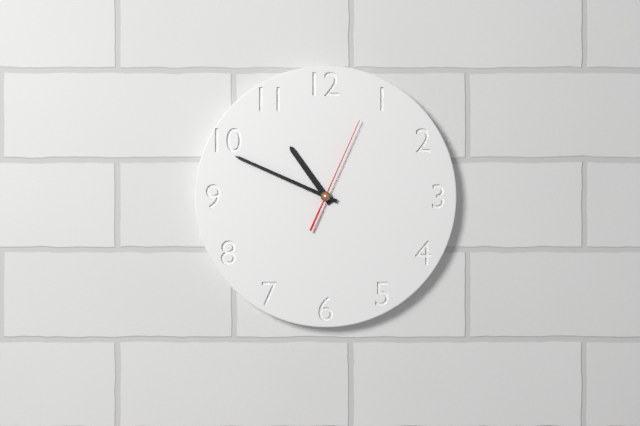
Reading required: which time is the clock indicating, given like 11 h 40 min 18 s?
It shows 10 h 49 min 04 s
